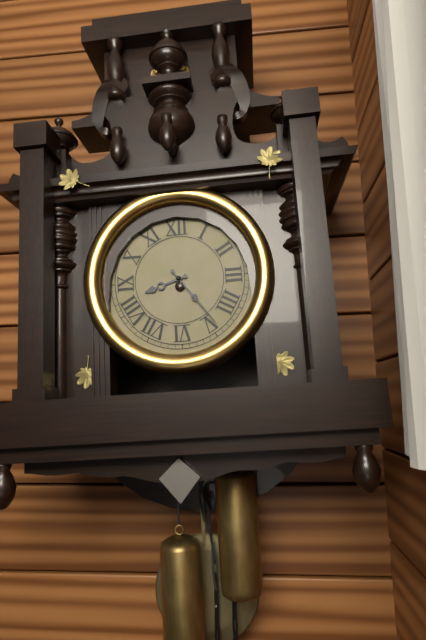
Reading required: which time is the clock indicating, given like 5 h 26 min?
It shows 8 h 24 min
